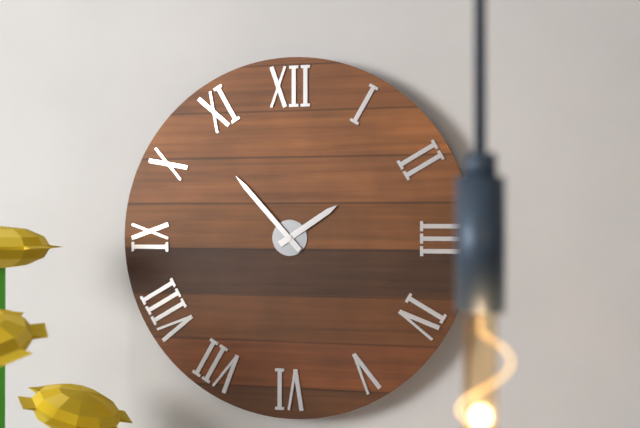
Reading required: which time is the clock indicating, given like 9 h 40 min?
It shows 1 h 53 min
